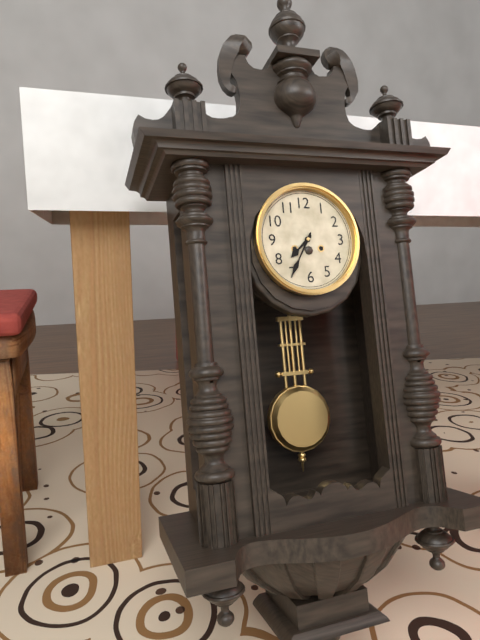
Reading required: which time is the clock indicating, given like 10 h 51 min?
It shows 7 h 35 min
